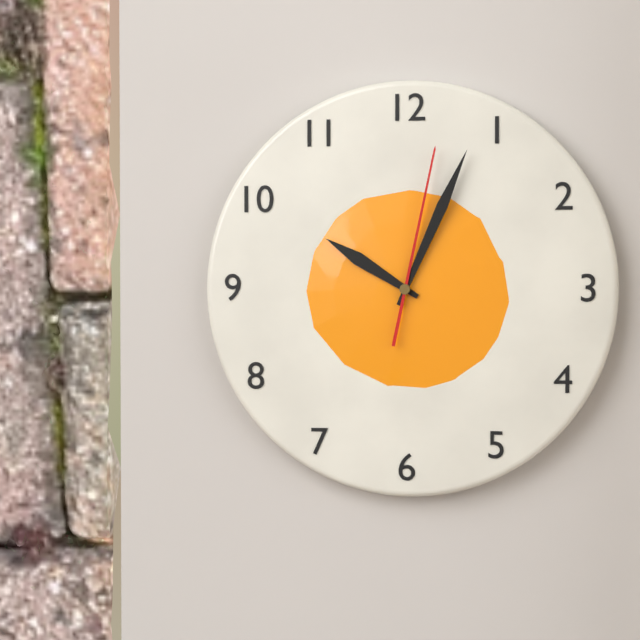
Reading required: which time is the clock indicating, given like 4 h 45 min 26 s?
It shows 10 h 04 min 02 s
